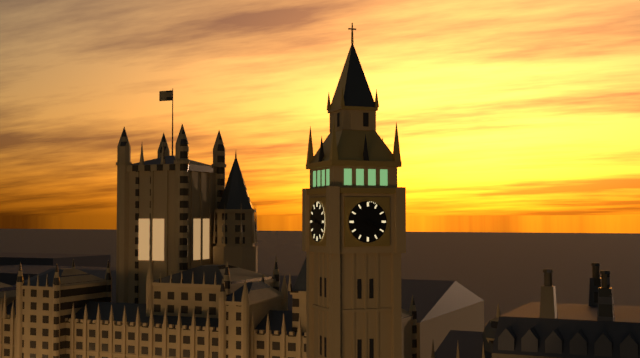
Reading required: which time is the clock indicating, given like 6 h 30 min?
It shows 4 h 18 min
